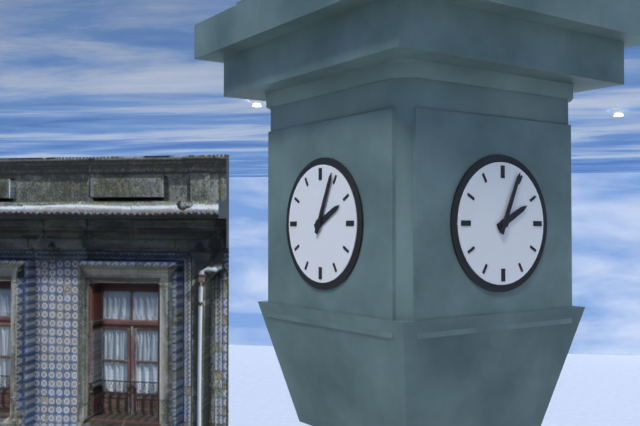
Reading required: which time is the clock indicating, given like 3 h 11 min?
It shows 2 h 04 min
